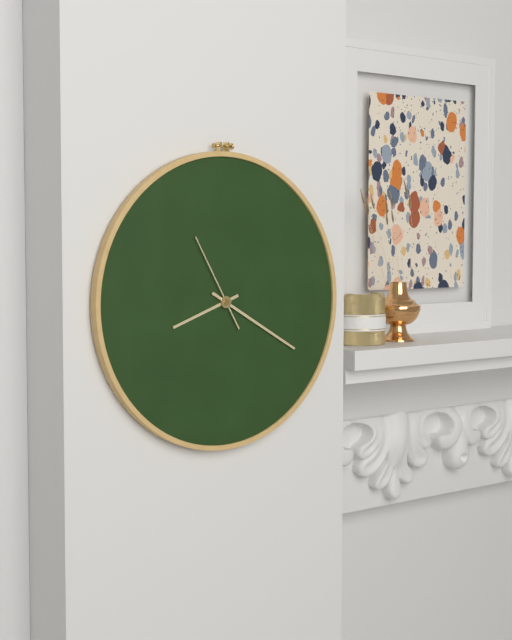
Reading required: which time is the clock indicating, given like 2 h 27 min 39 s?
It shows 8 h 20 min 55 s
